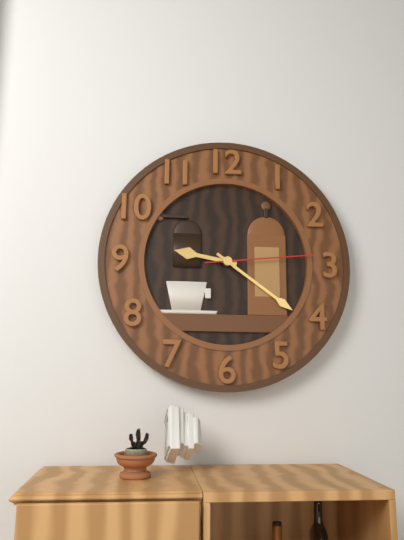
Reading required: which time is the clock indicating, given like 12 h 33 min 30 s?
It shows 9 h 21 min 14 s
